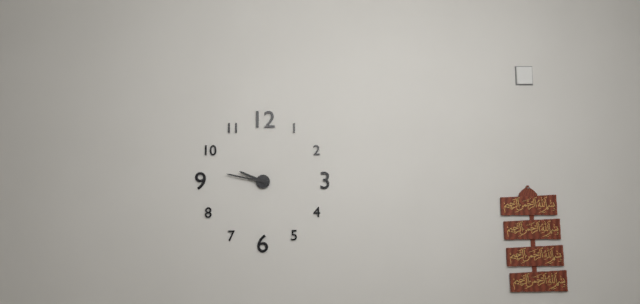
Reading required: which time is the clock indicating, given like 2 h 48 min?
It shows 9 h 47 min
